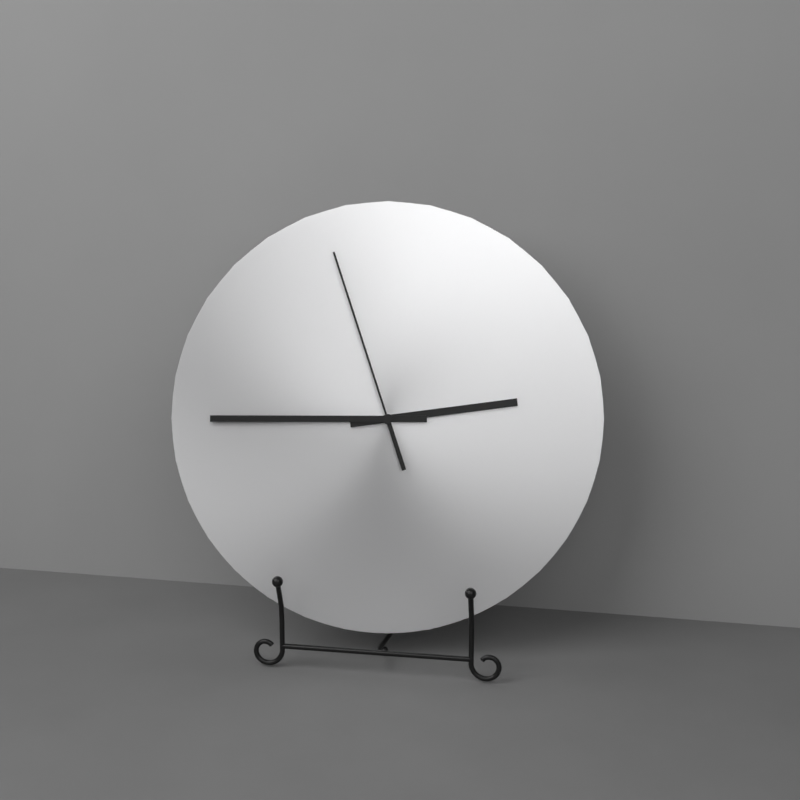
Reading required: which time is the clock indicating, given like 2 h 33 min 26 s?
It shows 2 h 45 min 57 s
